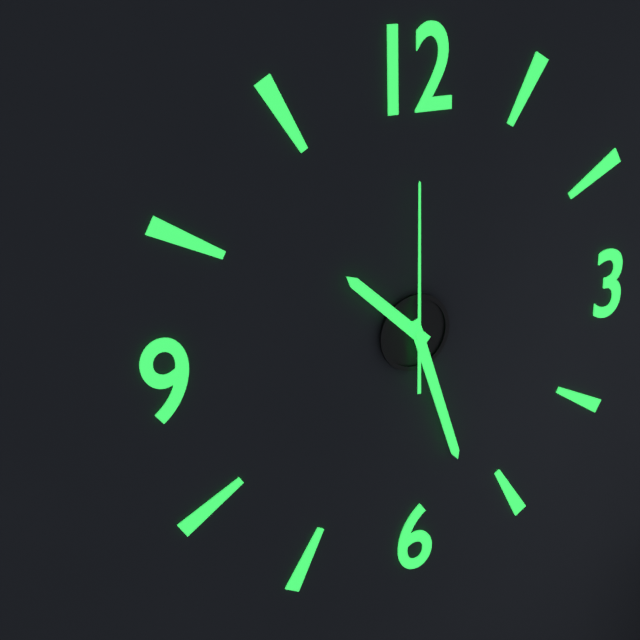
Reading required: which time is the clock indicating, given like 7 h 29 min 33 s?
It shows 10 h 27 min 00 s
